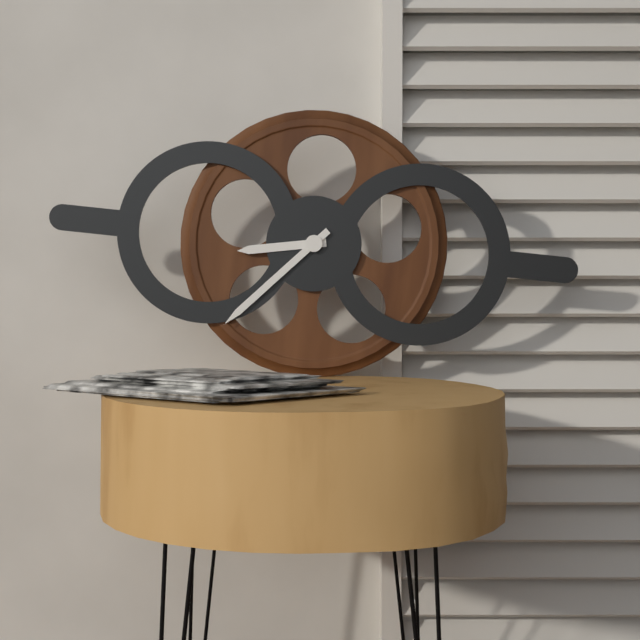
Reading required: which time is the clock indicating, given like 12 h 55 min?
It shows 8 h 37 min
